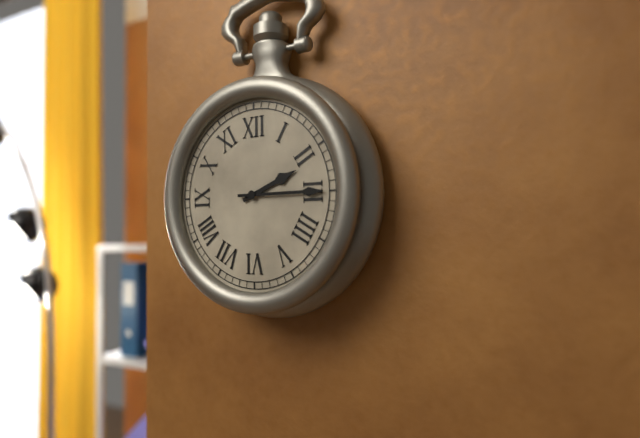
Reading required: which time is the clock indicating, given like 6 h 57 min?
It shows 2 h 15 min
